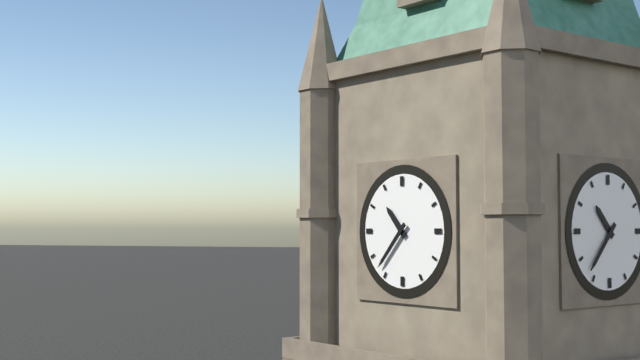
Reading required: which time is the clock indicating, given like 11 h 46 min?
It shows 10 h 37 min
